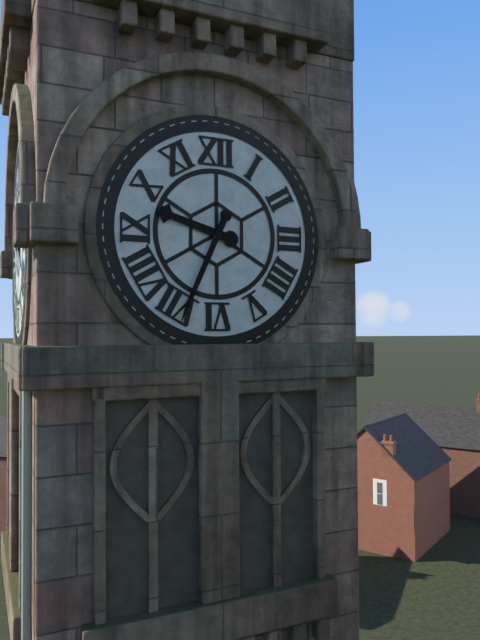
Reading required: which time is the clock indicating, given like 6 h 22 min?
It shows 9 h 34 min
